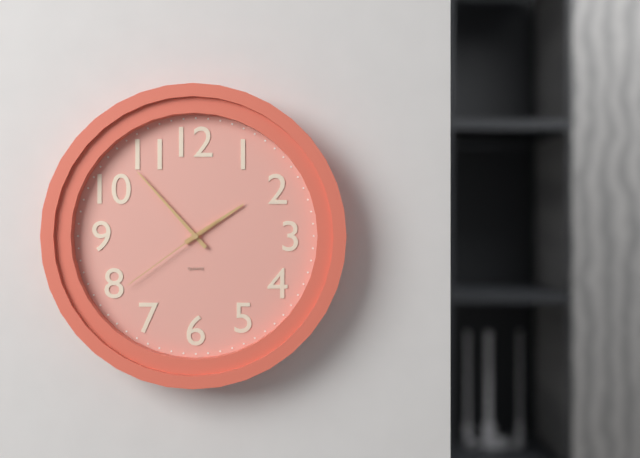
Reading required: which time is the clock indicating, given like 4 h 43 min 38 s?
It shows 1 h 53 min 39 s
